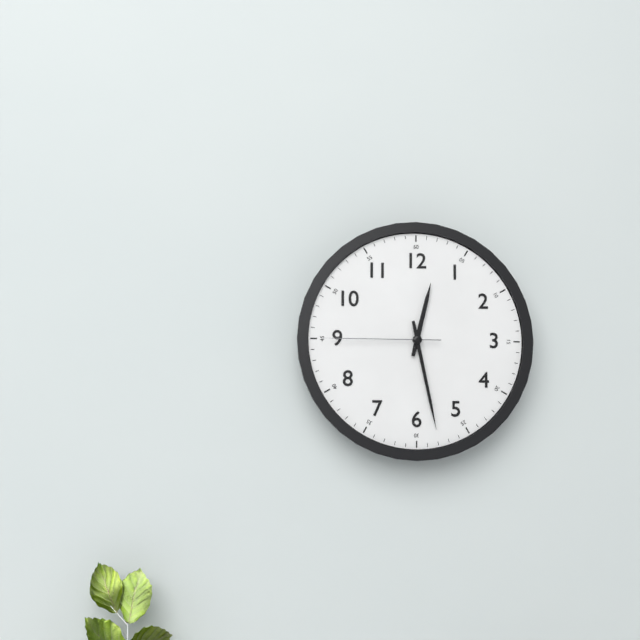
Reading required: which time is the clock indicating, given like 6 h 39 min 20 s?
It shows 12 h 28 min 45 s
